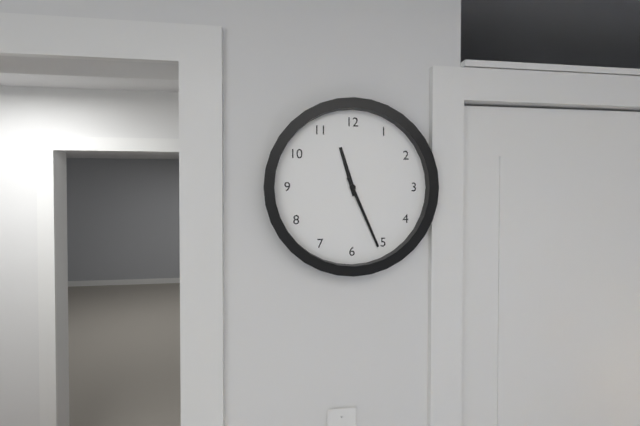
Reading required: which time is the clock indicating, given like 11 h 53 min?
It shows 11 h 26 min
